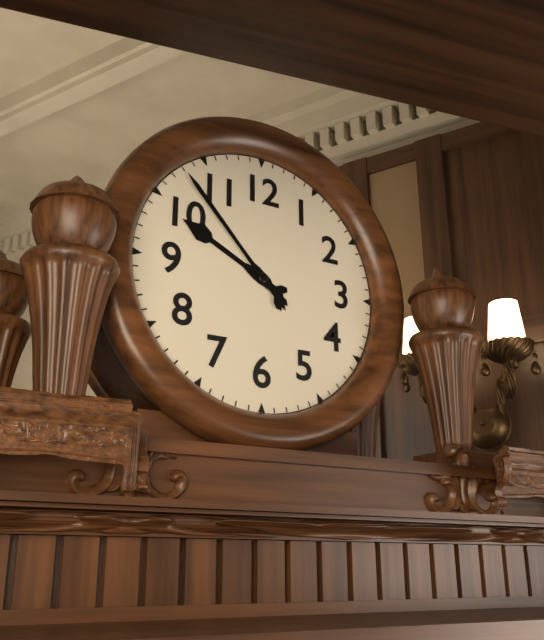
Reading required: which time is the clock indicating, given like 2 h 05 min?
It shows 9 h 53 min
